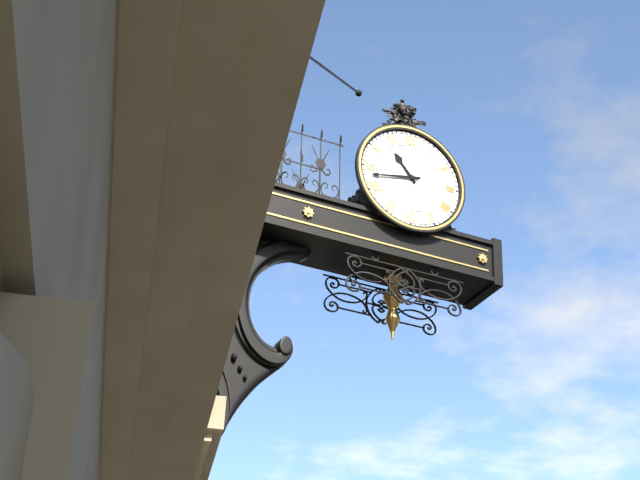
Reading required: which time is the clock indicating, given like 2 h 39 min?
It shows 10 h 43 min
